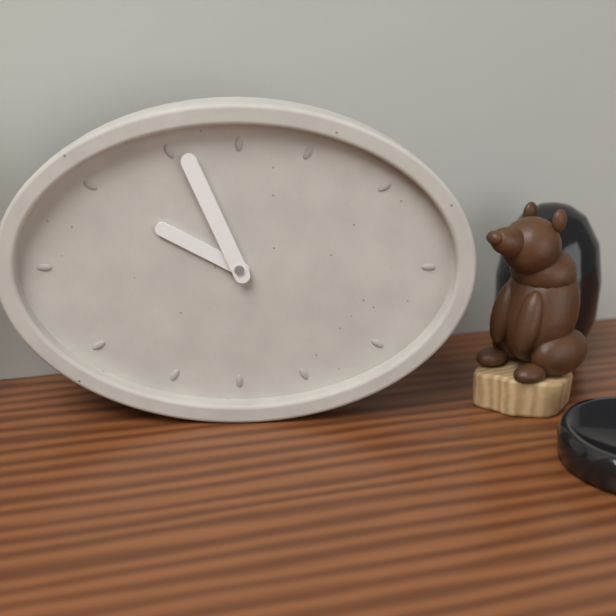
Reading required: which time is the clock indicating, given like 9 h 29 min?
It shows 9 h 56 min
